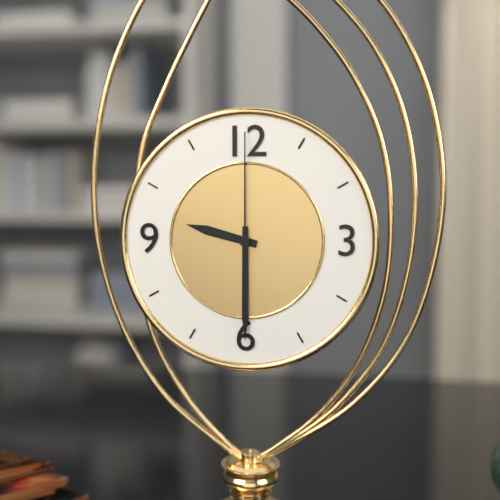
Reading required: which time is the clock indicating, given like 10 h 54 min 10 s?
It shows 9 h 30 min 00 s
